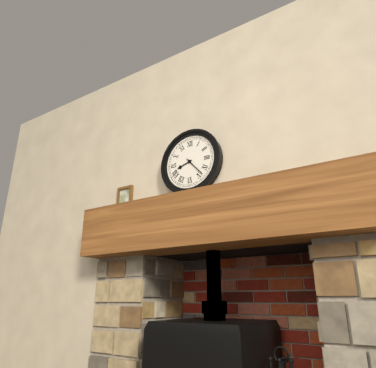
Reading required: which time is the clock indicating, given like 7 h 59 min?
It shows 8 h 23 min
